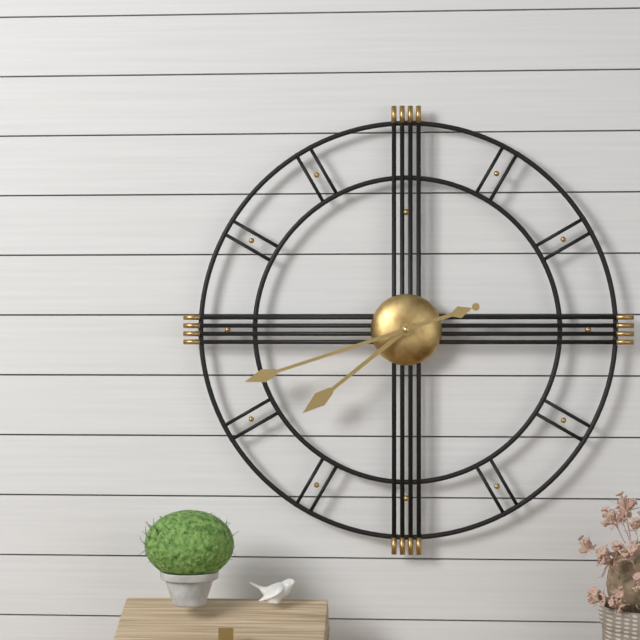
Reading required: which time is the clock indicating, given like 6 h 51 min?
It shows 7 h 42 min
